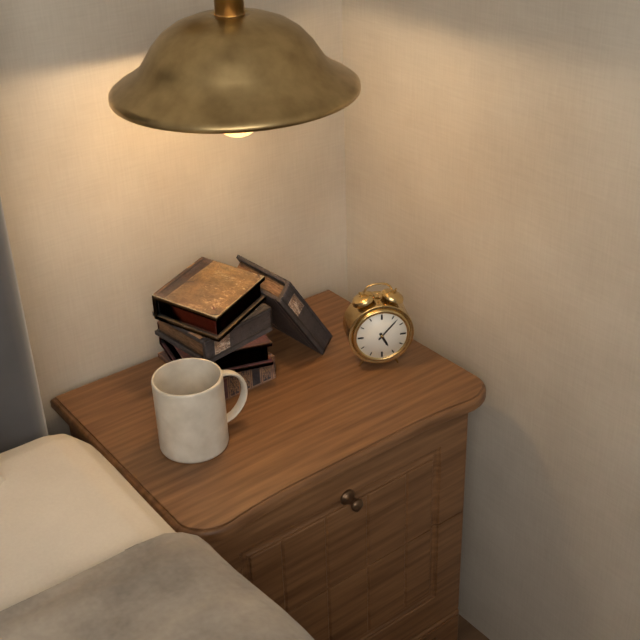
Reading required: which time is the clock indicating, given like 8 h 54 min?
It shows 5 h 07 min
